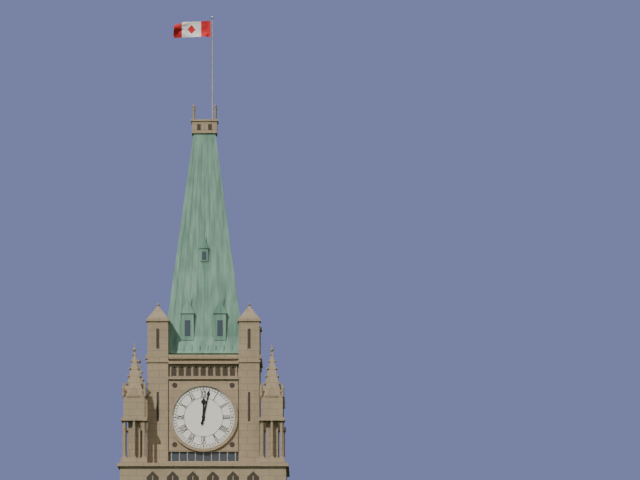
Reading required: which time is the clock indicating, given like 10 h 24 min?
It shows 12 h 02 min
